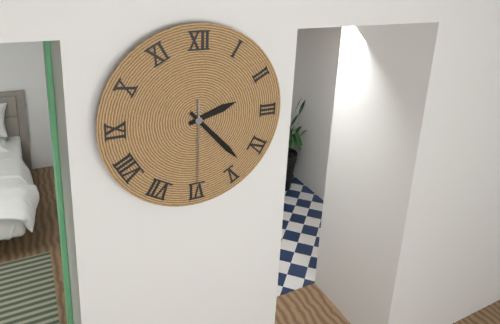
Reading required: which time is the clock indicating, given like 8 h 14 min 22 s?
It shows 2 h 23 min 30 s
